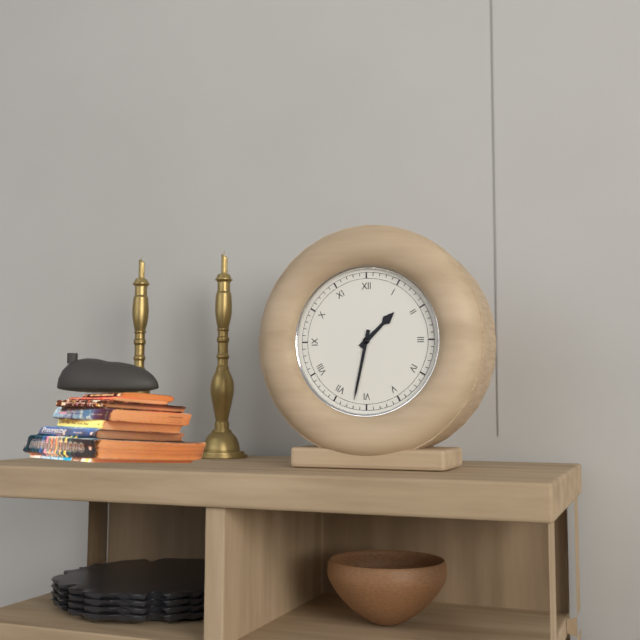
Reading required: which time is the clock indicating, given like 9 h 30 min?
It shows 1 h 32 min
